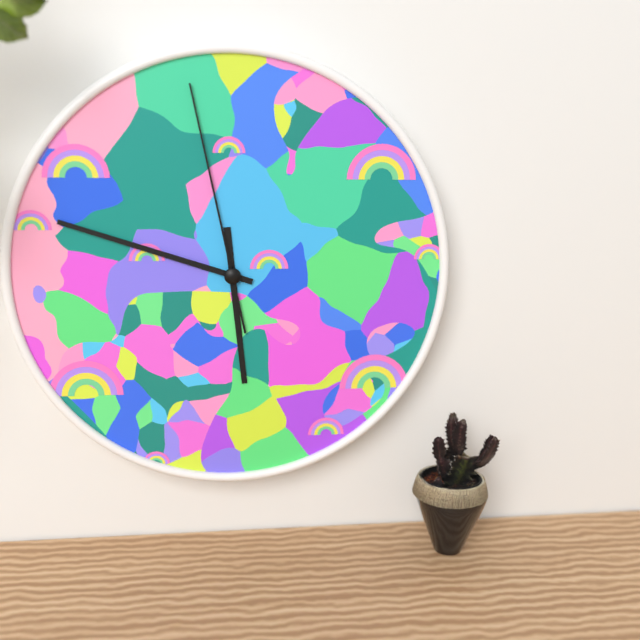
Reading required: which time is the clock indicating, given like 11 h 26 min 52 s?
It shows 5 h 48 min 58 s
